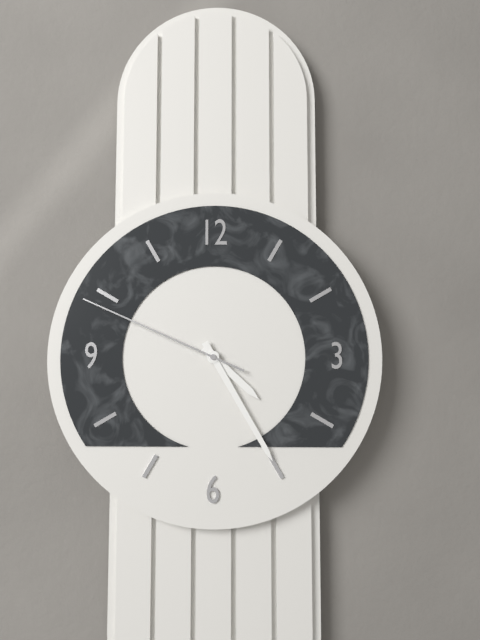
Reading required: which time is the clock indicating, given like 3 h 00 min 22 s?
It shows 4 h 25 min 49 s
